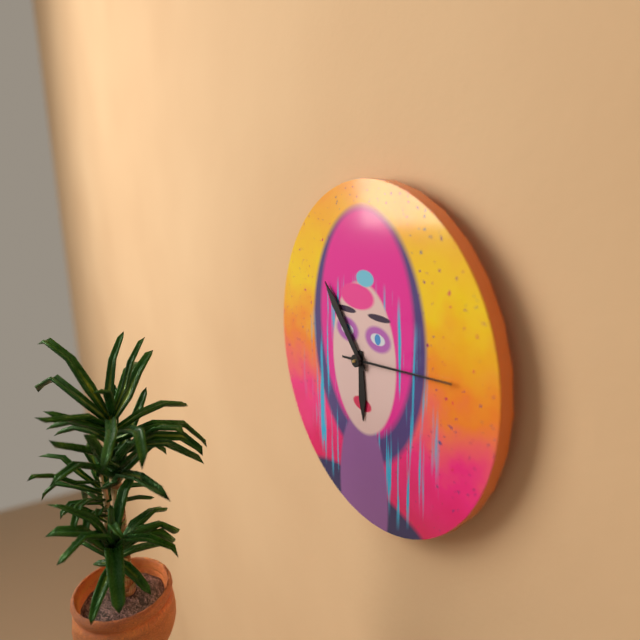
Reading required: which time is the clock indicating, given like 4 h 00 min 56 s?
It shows 5 h 53 min 14 s
